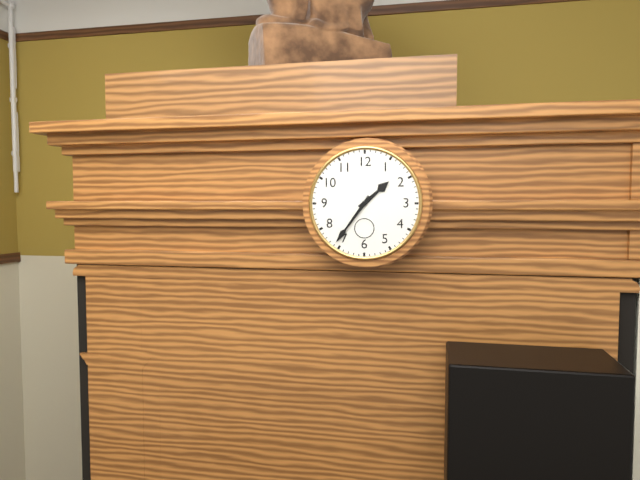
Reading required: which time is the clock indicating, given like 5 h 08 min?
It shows 1 h 36 min
